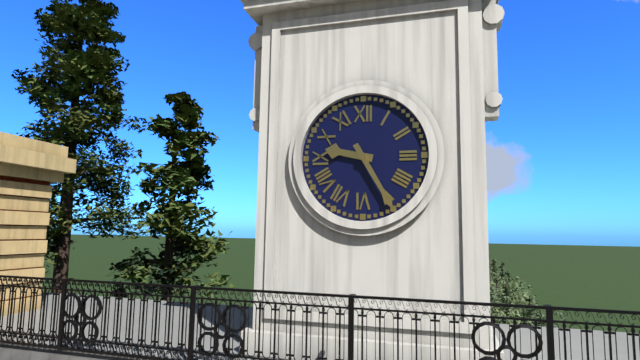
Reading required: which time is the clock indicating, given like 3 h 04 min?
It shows 9 h 25 min
